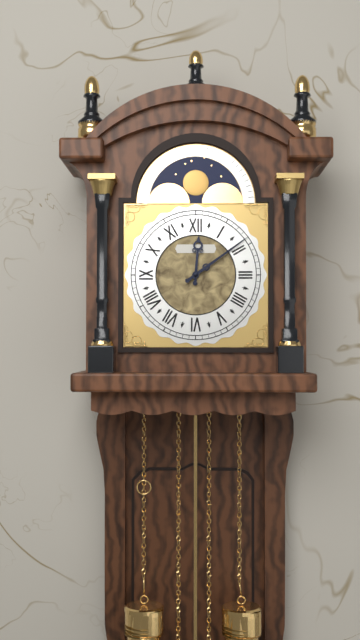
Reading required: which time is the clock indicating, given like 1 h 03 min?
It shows 12 h 09 min
